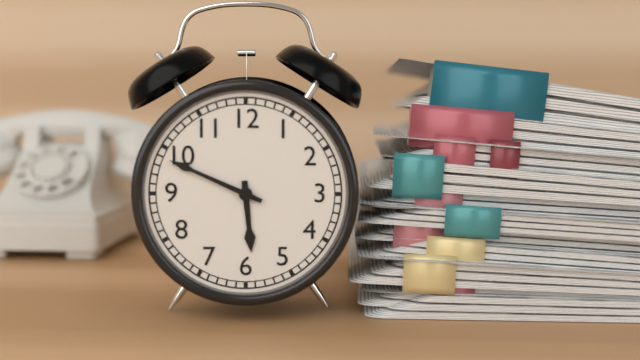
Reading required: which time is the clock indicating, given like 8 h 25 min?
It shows 5 h 49 min
